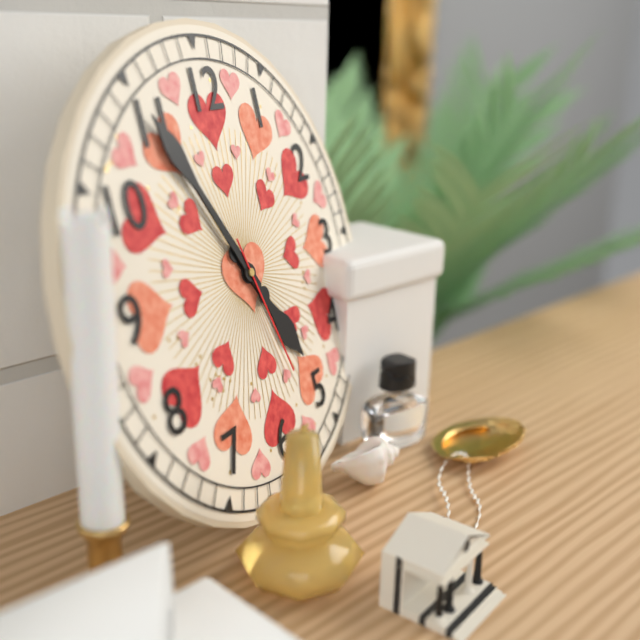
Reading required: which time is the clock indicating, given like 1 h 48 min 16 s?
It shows 4 h 55 min 27 s
